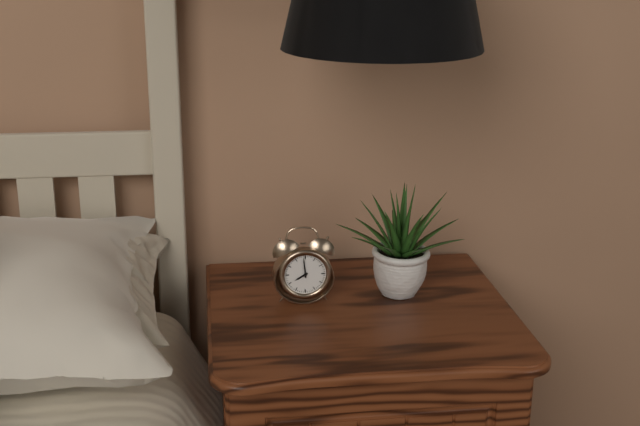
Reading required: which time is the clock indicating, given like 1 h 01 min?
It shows 7 h 59 min
